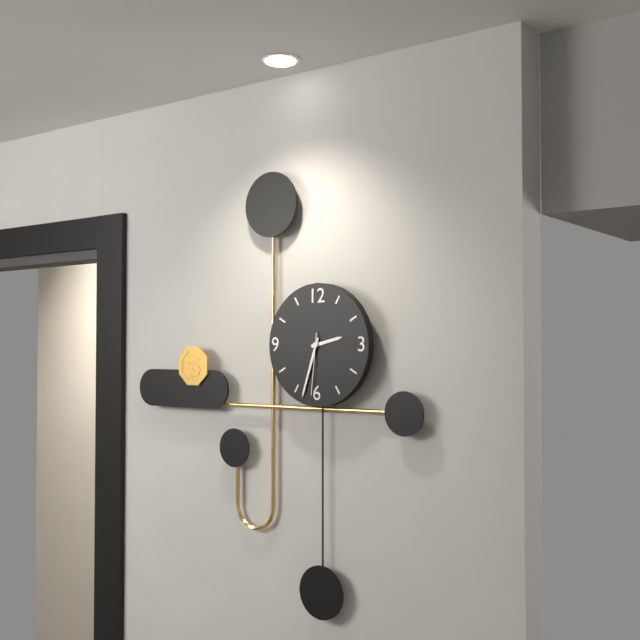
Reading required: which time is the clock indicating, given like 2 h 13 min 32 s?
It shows 2 h 33 min 31 s
